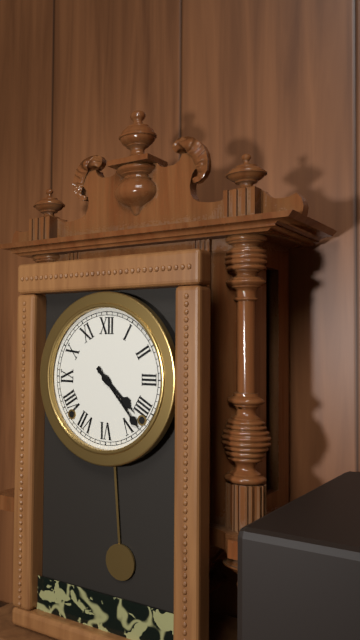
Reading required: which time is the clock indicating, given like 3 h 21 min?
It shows 4 h 23 min
